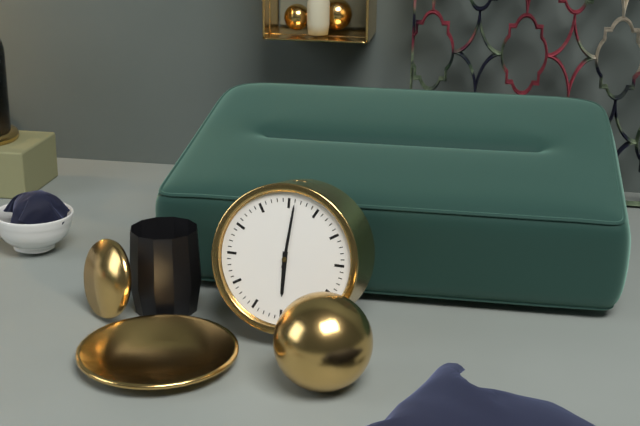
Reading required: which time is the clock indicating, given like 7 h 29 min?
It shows 6 h 01 min
